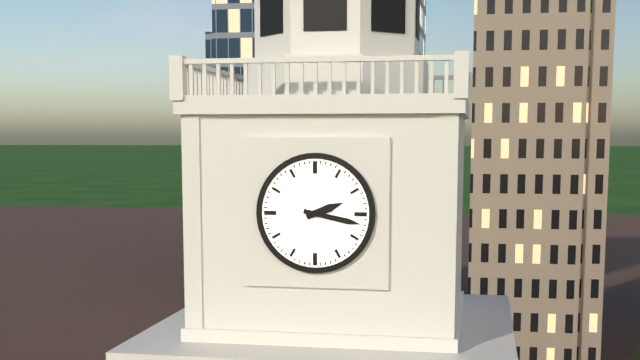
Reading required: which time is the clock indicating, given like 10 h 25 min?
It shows 2 h 17 min
